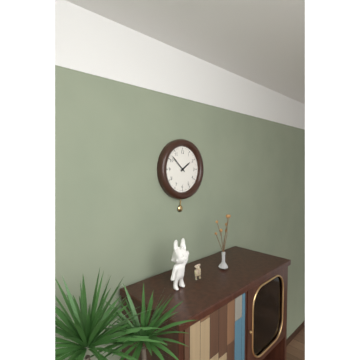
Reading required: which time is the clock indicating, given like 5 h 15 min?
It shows 1 h 52 min
